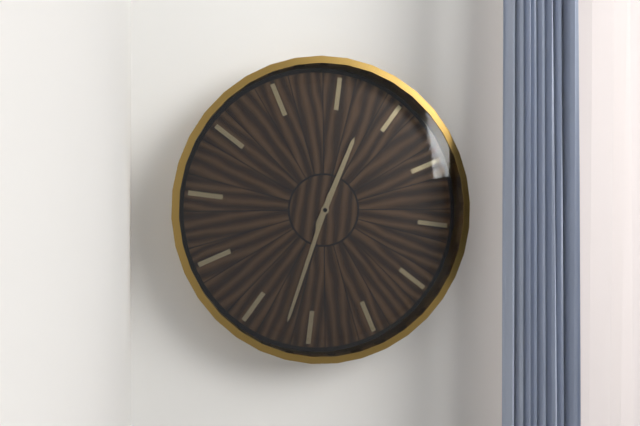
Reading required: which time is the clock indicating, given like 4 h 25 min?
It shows 12 h 32 min
